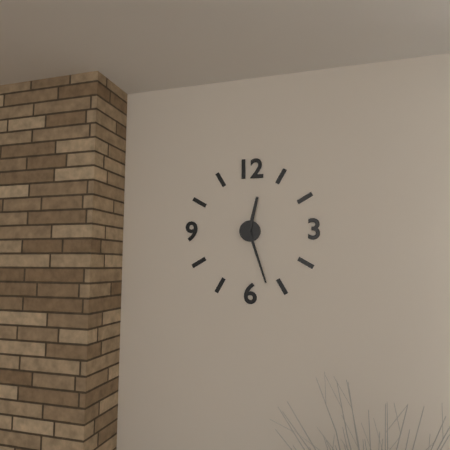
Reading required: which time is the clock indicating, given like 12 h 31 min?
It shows 12 h 27 min
